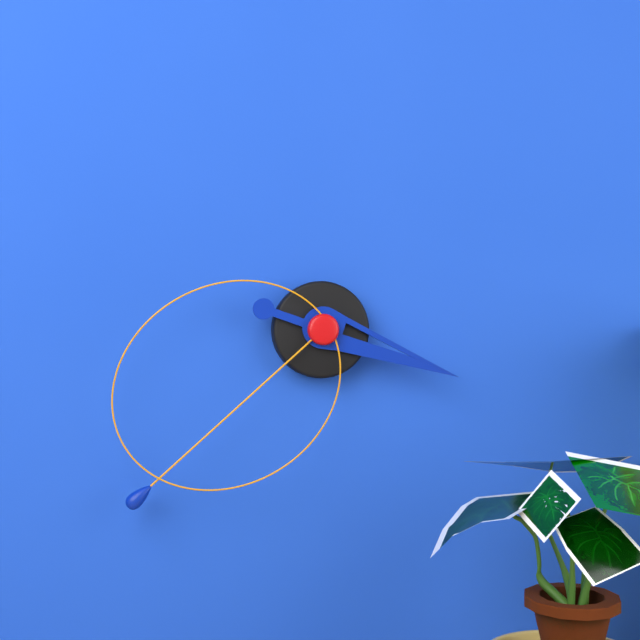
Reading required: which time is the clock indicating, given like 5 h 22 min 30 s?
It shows 3 h 38 min 40 s
